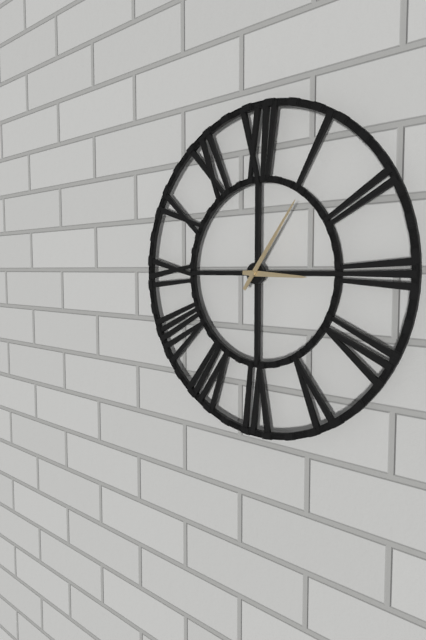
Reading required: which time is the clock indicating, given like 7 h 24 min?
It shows 3 h 06 min
